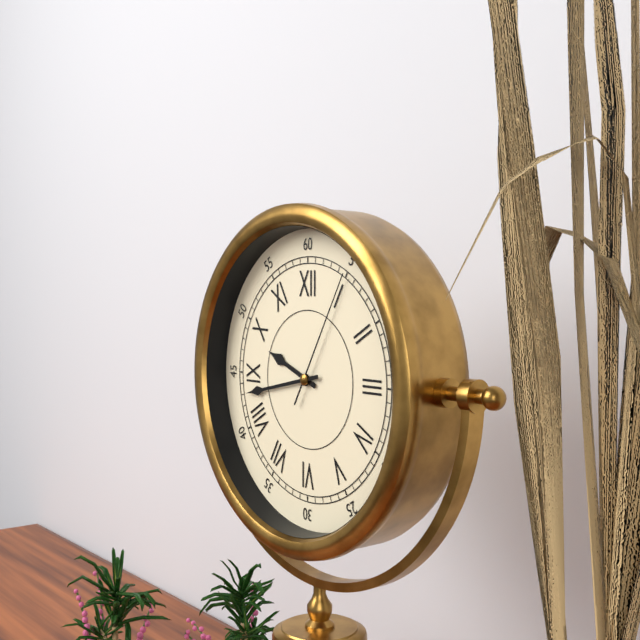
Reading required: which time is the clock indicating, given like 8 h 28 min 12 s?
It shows 9 h 43 min 05 s
